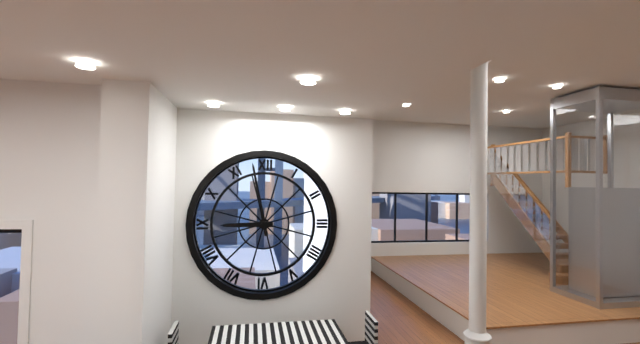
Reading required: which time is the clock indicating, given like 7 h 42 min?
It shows 8 h 58 min
